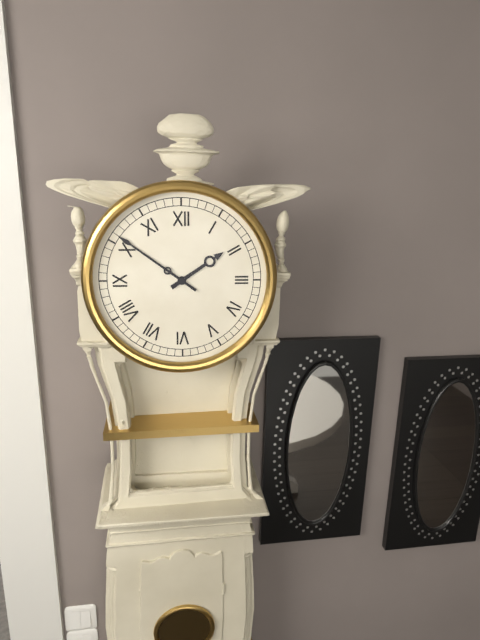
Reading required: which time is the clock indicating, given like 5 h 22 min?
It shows 1 h 51 min
